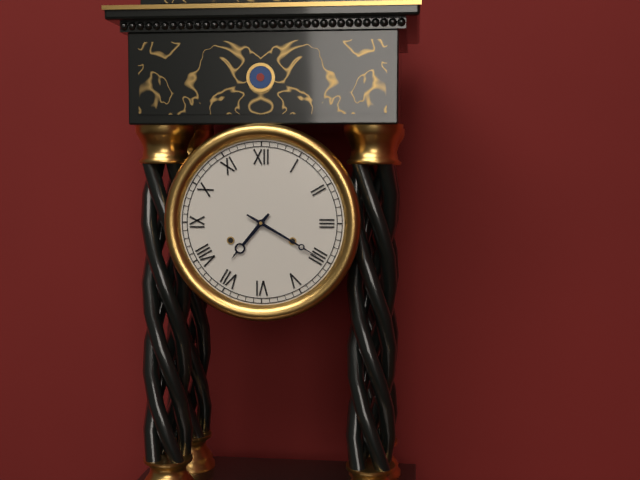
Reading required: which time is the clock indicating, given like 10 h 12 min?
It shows 7 h 20 min
